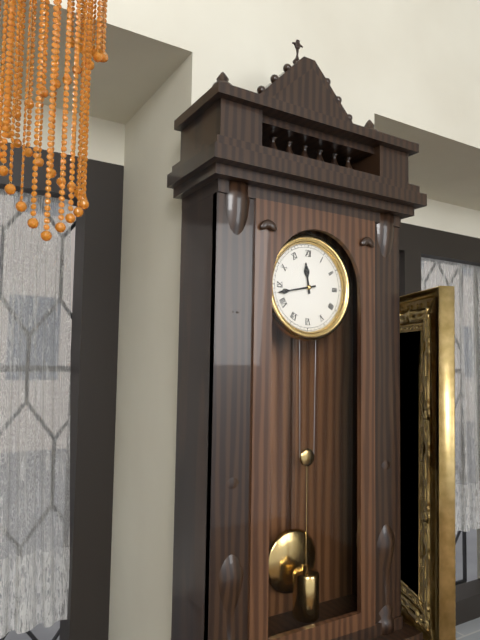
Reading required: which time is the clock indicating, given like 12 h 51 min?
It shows 11 h 43 min
